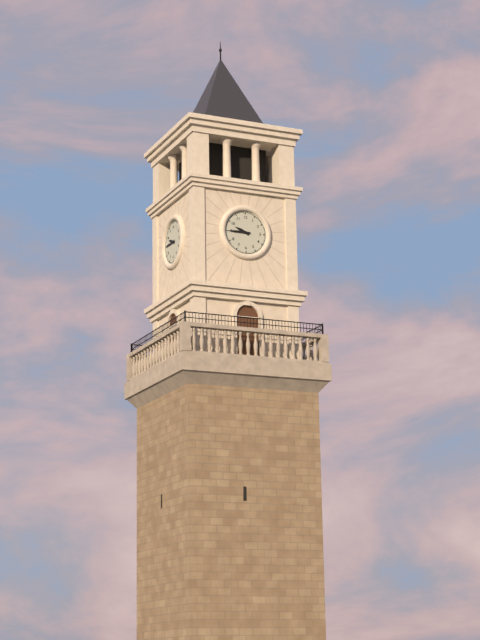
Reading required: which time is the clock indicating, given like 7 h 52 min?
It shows 9 h 45 min
